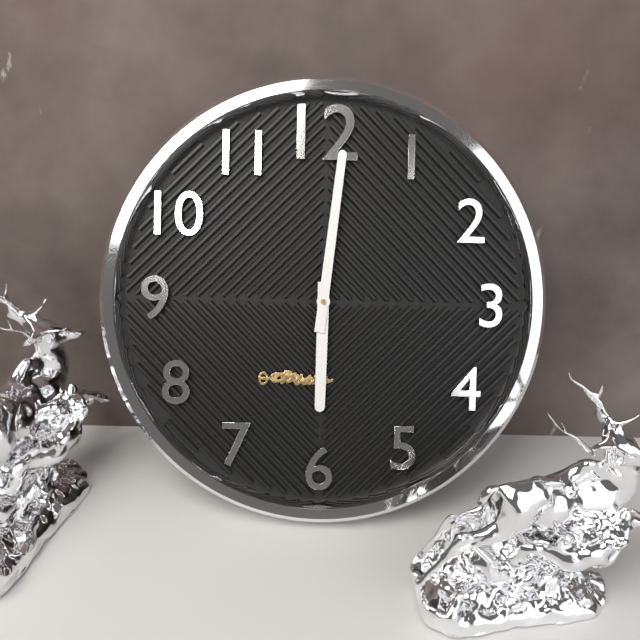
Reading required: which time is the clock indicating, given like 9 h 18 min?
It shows 6 h 01 min
